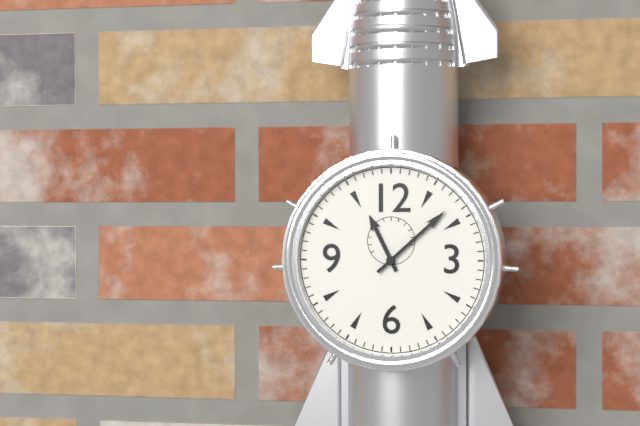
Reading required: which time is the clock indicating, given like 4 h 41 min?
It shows 11 h 08 min
